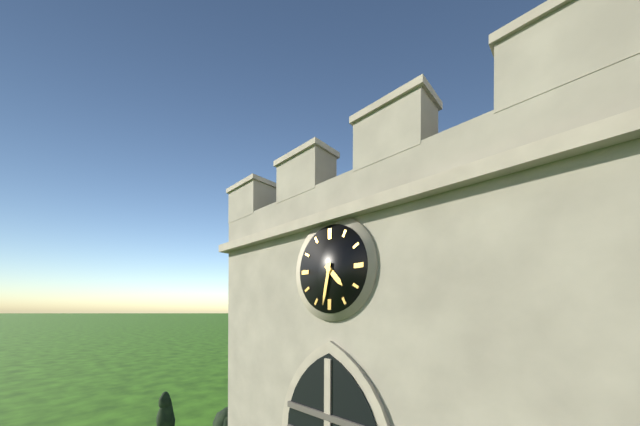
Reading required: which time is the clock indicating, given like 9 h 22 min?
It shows 4 h 32 min
